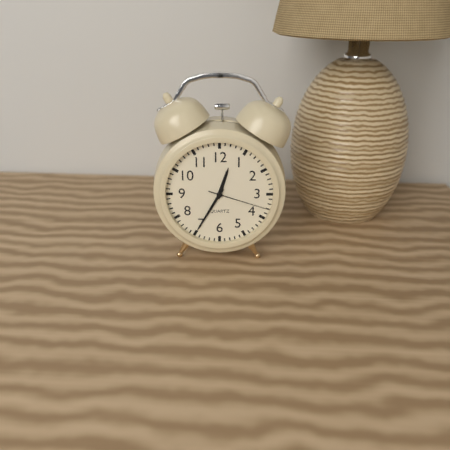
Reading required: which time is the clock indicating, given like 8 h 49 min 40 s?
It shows 12 h 35 min 18 s
